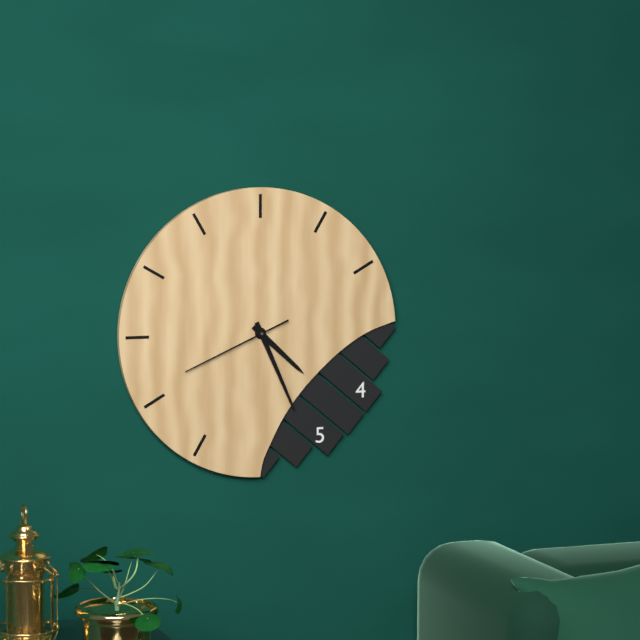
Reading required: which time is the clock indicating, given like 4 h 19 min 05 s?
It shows 4 h 26 min 41 s
